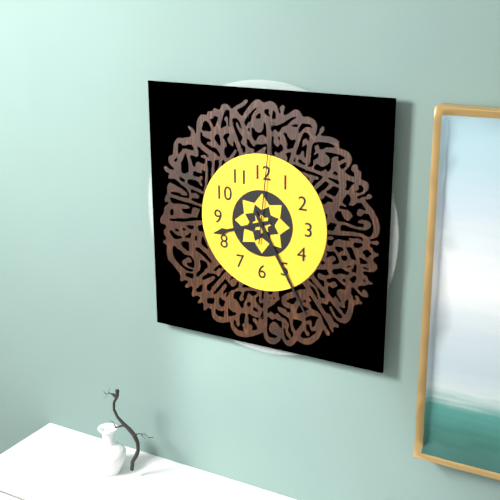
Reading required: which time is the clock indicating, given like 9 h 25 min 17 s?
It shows 8 h 25 min 01 s
